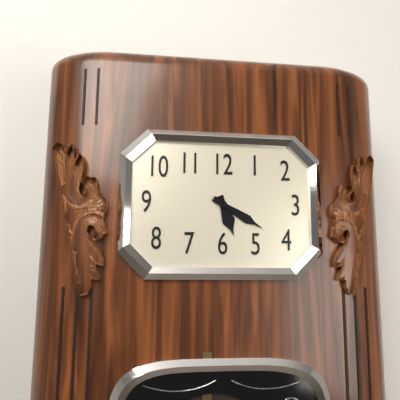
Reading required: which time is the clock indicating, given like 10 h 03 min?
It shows 5 h 20 min
